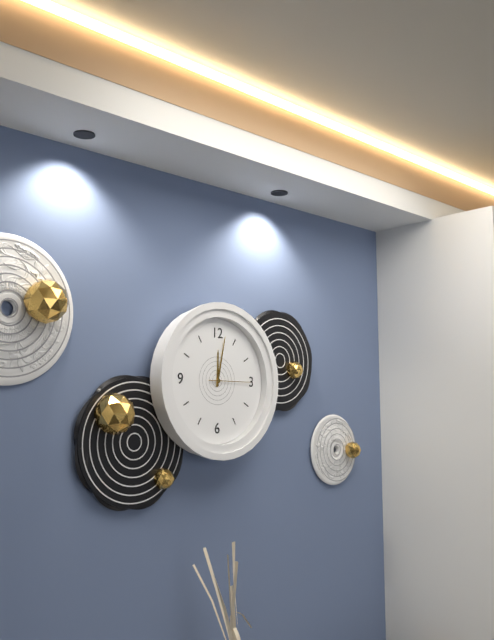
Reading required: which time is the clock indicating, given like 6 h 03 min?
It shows 12 h 02 min
